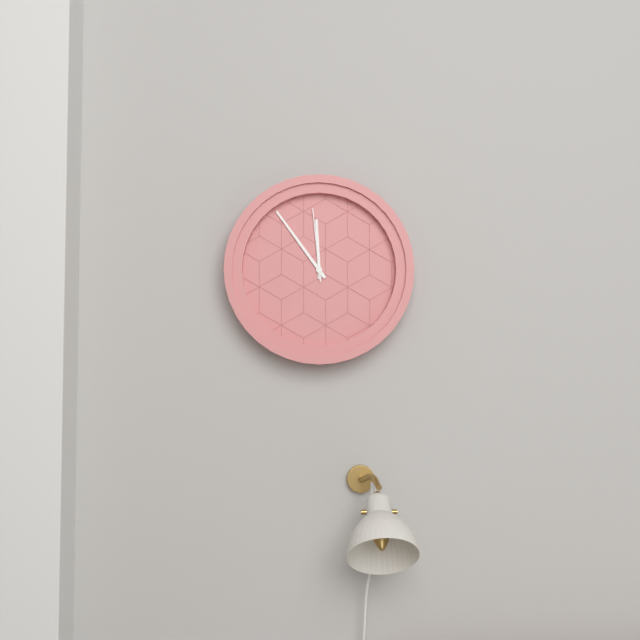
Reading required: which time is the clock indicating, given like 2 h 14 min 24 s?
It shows 11 h 54 min 59 s
